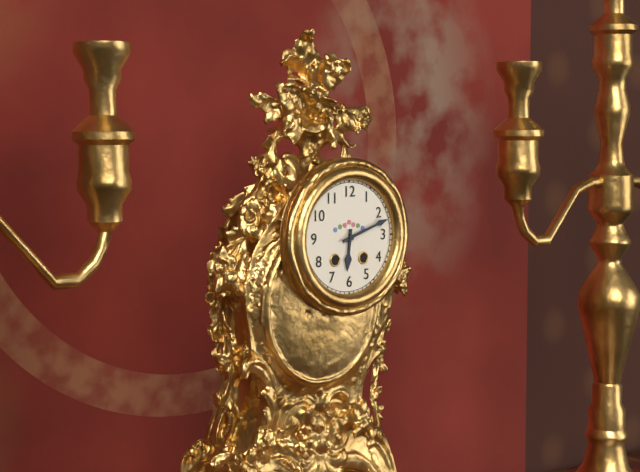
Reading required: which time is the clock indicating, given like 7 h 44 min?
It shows 6 h 12 min
